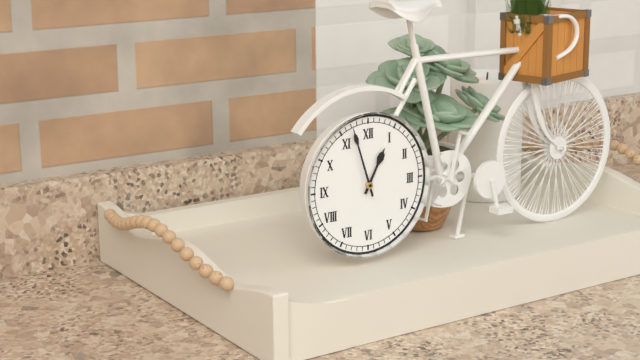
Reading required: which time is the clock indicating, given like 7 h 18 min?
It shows 12 h 57 min
